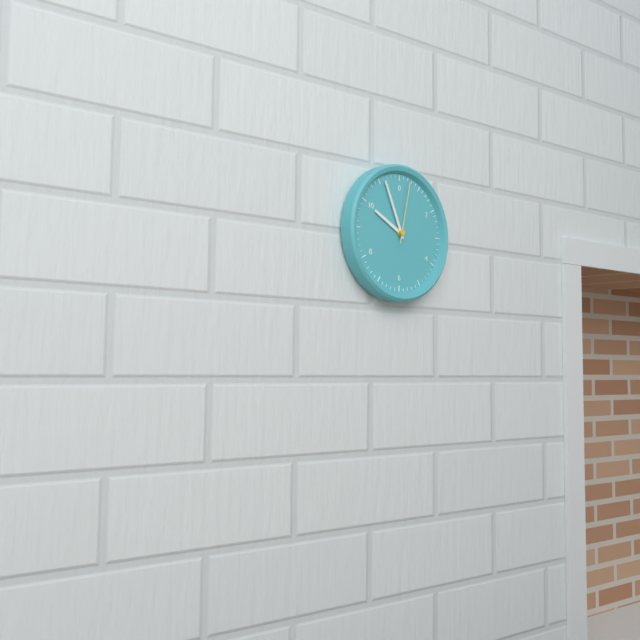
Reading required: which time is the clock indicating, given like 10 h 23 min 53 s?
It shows 9 h 56 min 02 s
